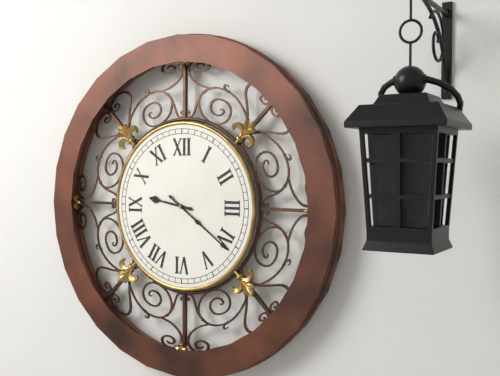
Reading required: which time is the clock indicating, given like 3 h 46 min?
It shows 9 h 21 min
